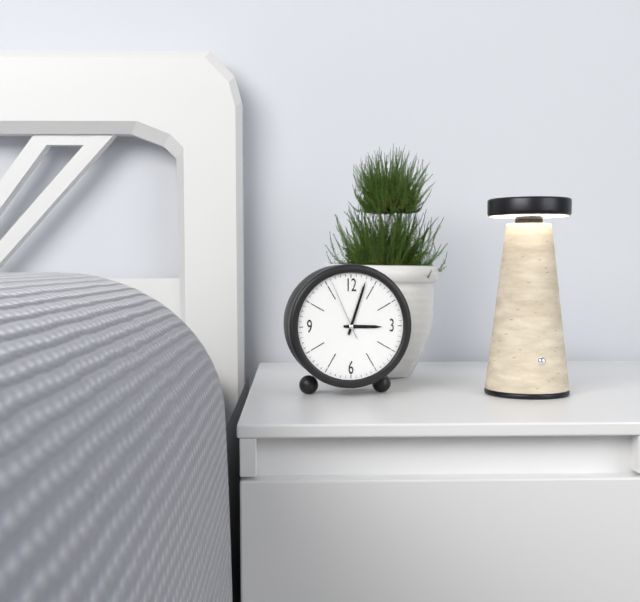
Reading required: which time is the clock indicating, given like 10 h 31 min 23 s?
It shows 3 h 03 min 56 s
